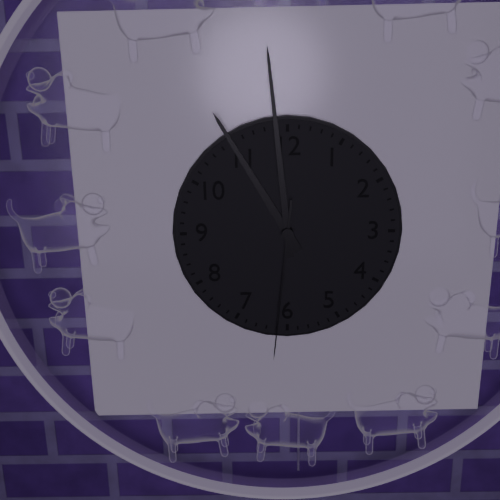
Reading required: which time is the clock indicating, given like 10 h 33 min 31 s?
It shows 10 h 59 min 31 s
